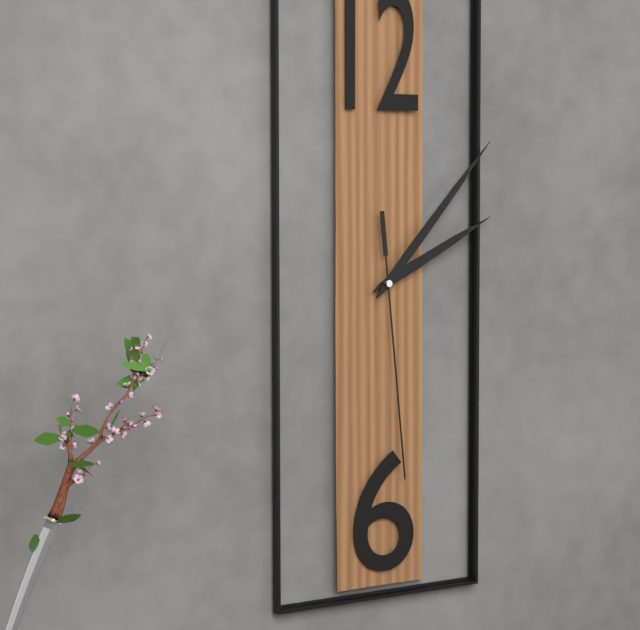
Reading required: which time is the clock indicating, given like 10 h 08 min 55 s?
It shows 2 h 07 min 29 s
